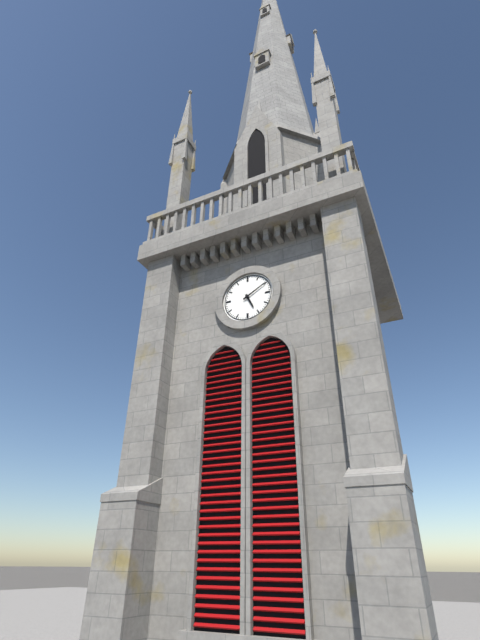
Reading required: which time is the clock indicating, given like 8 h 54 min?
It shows 5 h 10 min
